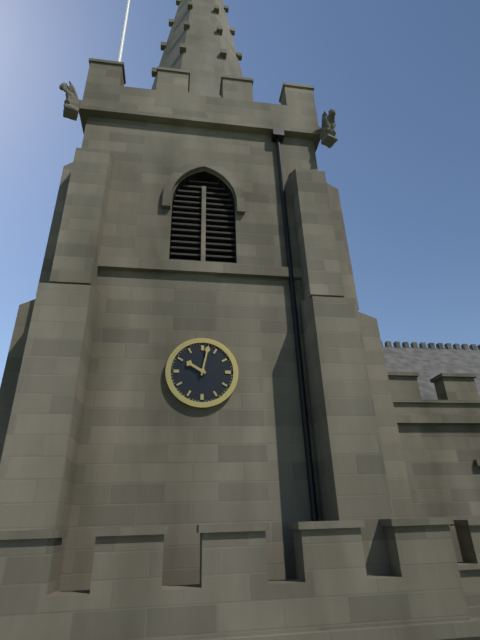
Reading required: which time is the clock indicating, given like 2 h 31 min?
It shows 10 h 02 min
